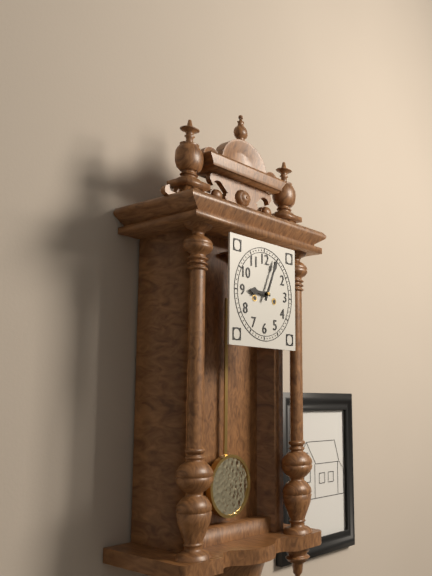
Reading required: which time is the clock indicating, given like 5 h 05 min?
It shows 9 h 04 min
